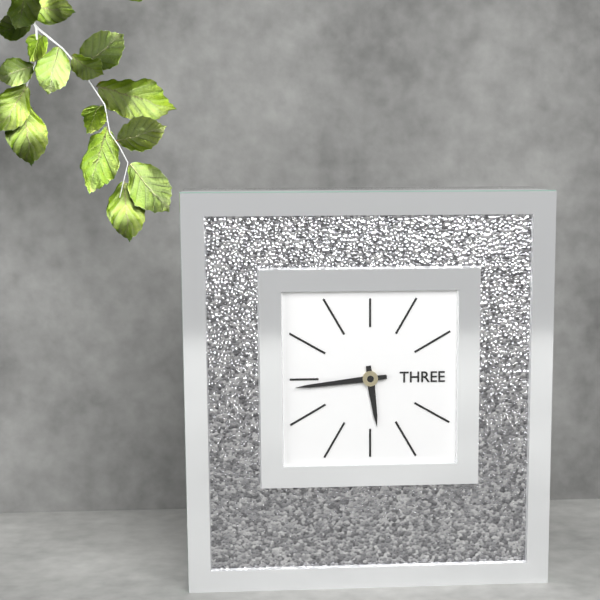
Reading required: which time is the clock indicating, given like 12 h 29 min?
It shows 5 h 44 min
